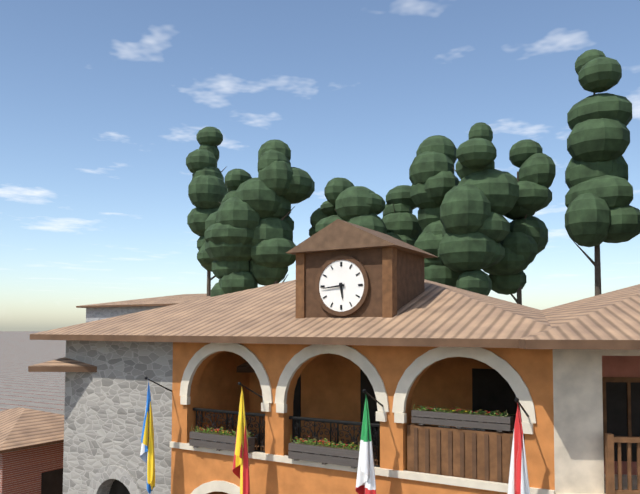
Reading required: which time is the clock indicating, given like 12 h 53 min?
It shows 5 h 44 min
